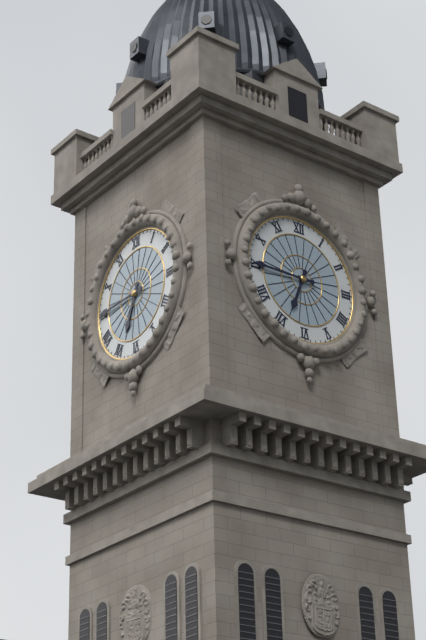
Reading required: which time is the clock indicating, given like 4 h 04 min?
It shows 6 h 45 min
